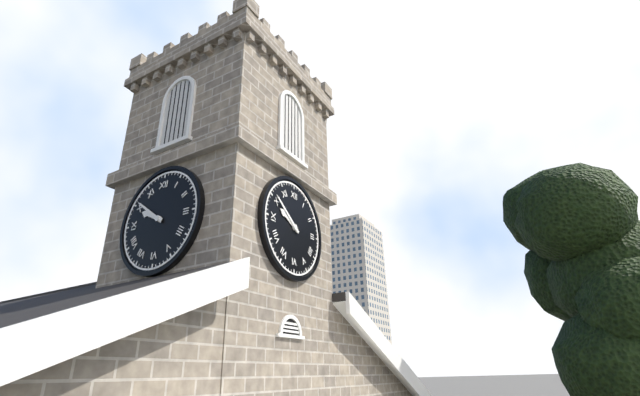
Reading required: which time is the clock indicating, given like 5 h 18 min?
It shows 9 h 51 min
